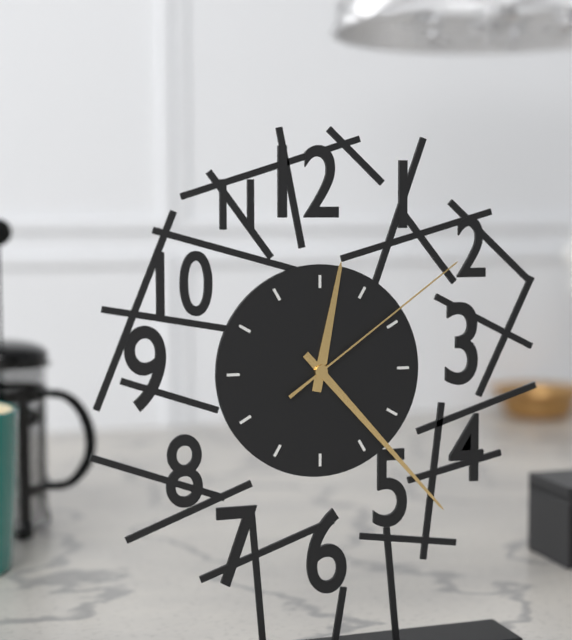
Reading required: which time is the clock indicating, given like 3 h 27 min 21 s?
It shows 12 h 23 min 09 s
